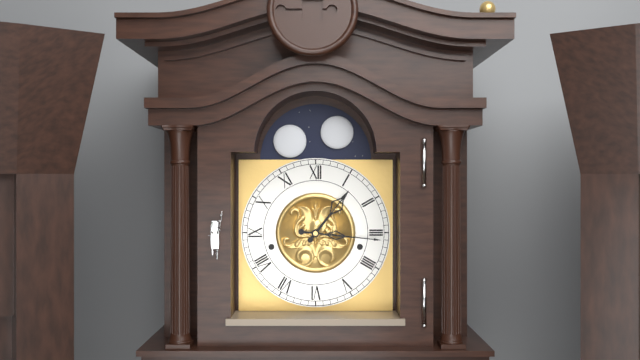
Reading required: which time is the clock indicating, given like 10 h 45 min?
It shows 1 h 16 min
